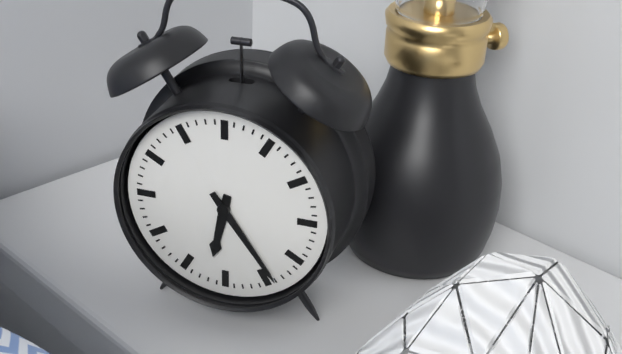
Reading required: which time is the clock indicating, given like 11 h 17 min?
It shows 6 h 24 min
